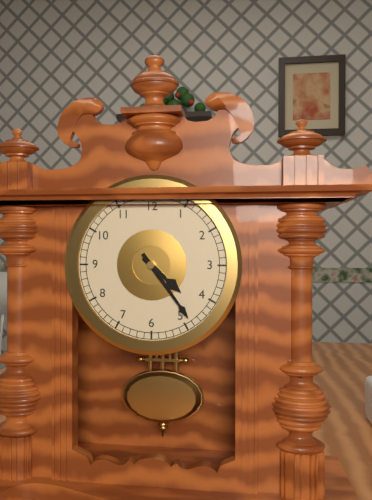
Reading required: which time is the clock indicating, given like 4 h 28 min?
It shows 4 h 24 min
